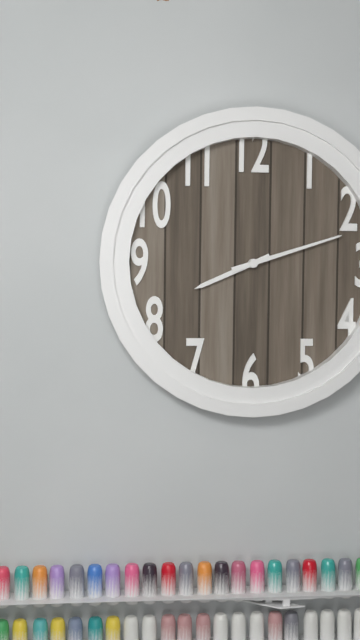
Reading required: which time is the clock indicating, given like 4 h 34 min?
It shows 8 h 12 min
